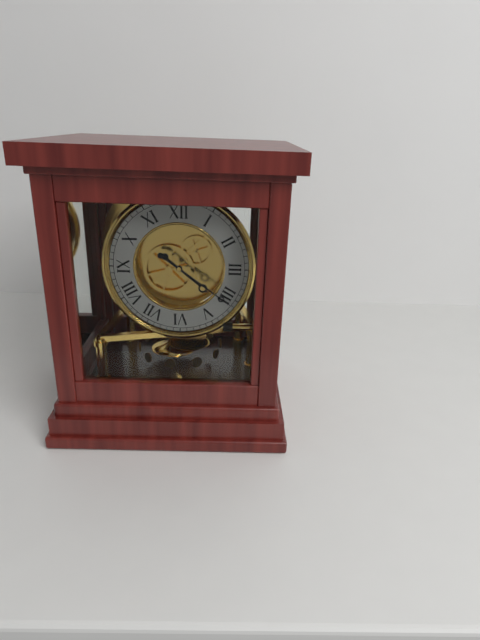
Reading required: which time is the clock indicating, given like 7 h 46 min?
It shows 4 h 21 min
